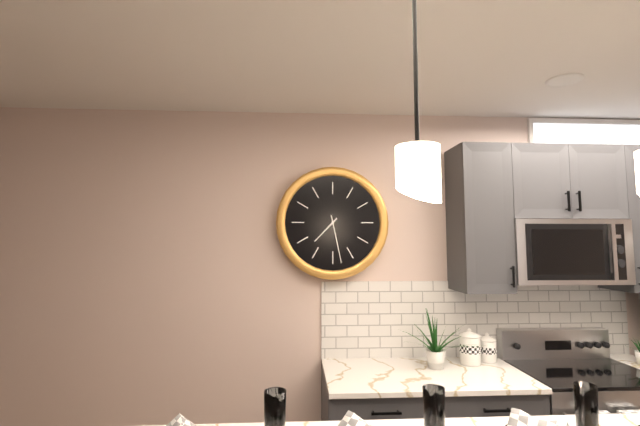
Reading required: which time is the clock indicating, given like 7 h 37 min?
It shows 7 h 28 min
